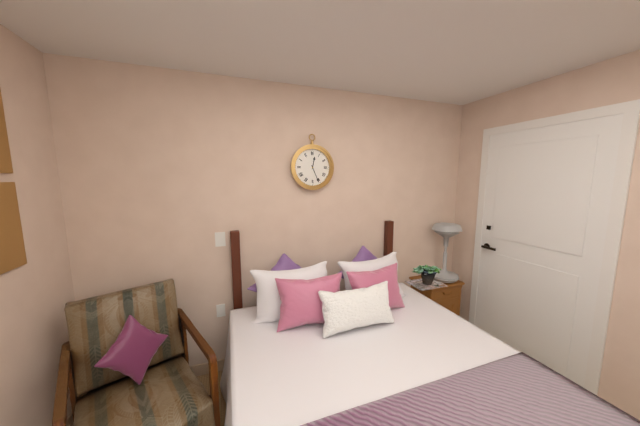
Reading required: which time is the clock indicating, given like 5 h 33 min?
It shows 12 h 26 min
